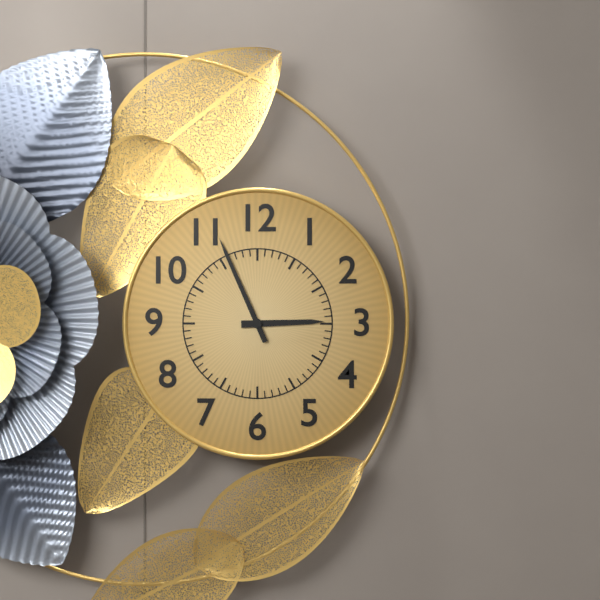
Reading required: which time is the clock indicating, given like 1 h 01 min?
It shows 2 h 56 min
